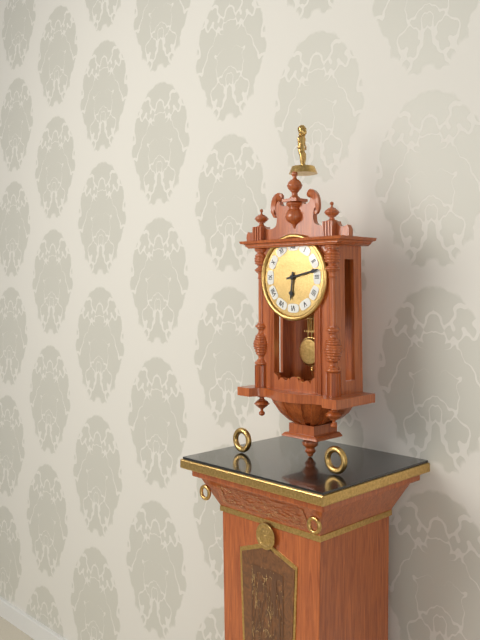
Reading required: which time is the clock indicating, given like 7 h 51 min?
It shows 6 h 13 min
